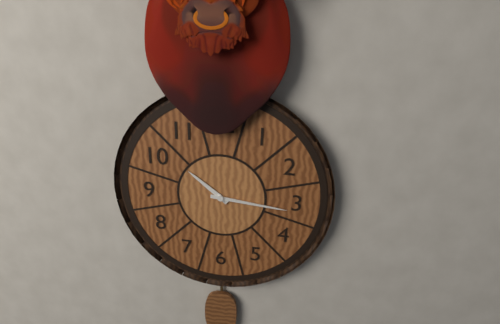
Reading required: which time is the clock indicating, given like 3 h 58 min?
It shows 10 h 16 min
